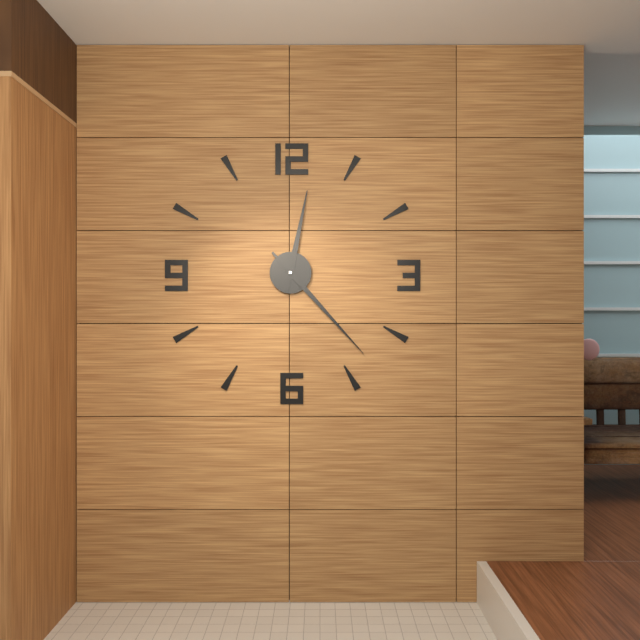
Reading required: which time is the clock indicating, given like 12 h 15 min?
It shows 12 h 23 min
